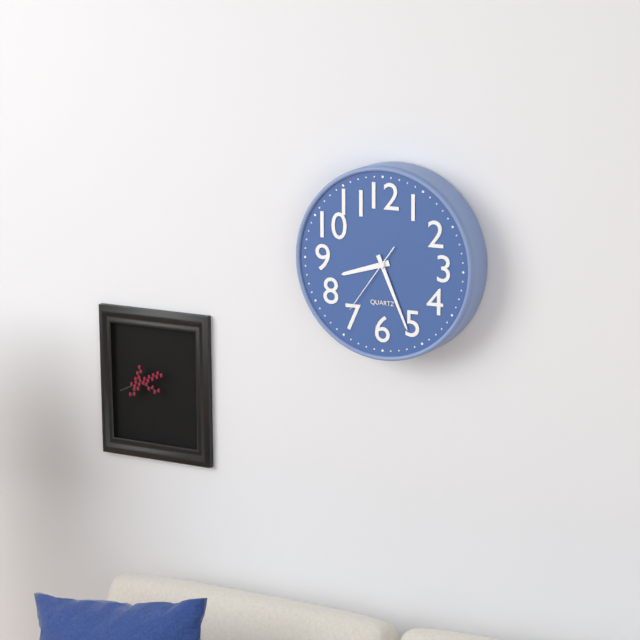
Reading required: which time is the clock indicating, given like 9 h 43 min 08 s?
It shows 8 h 26 min 36 s
